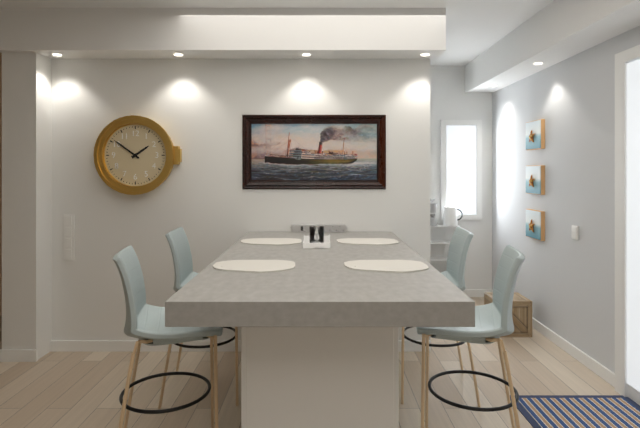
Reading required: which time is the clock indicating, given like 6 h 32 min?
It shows 1 h 51 min
